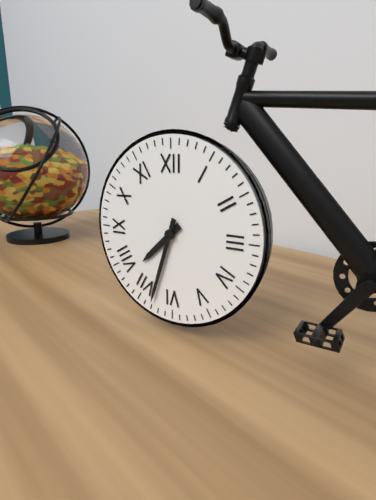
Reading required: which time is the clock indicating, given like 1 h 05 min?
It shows 7 h 33 min
